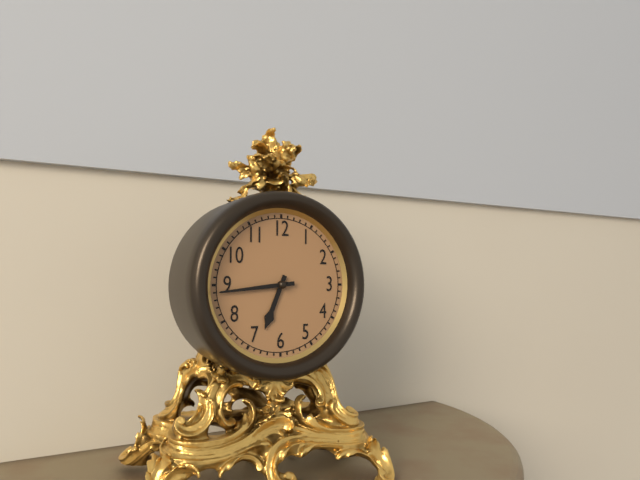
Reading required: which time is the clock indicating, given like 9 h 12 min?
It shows 6 h 44 min
